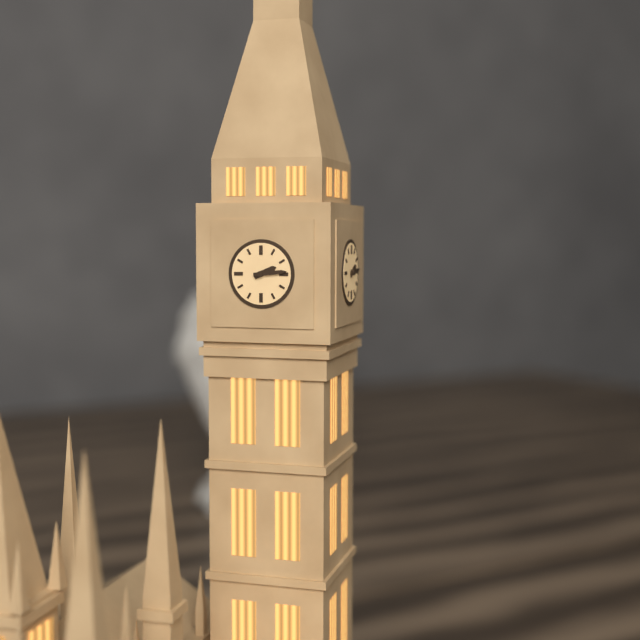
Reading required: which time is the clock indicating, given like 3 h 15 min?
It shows 2 h 14 min
